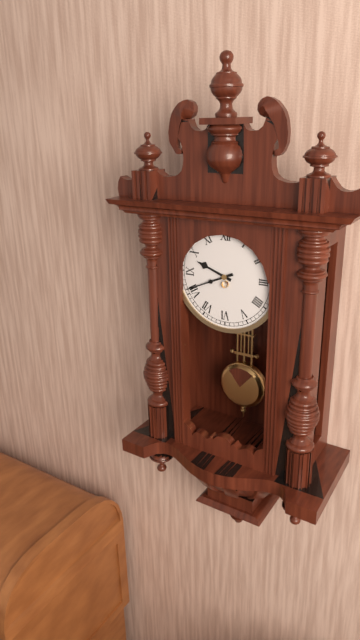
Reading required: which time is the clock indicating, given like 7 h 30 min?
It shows 9 h 41 min
